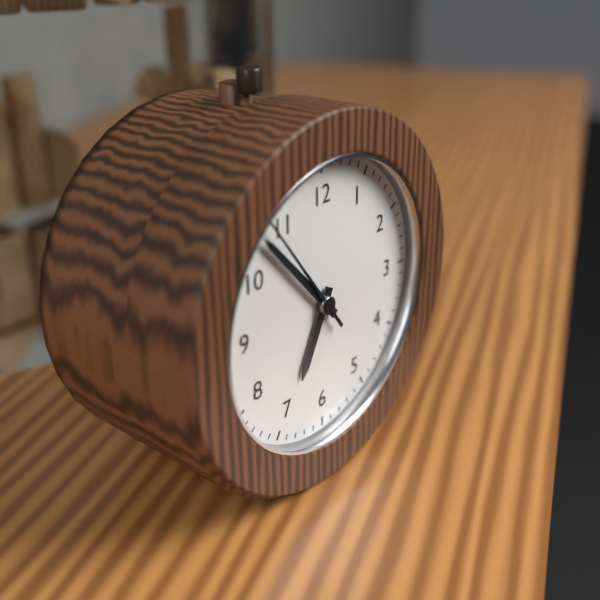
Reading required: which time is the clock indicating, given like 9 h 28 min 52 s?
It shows 6 h 53 min 54 s
